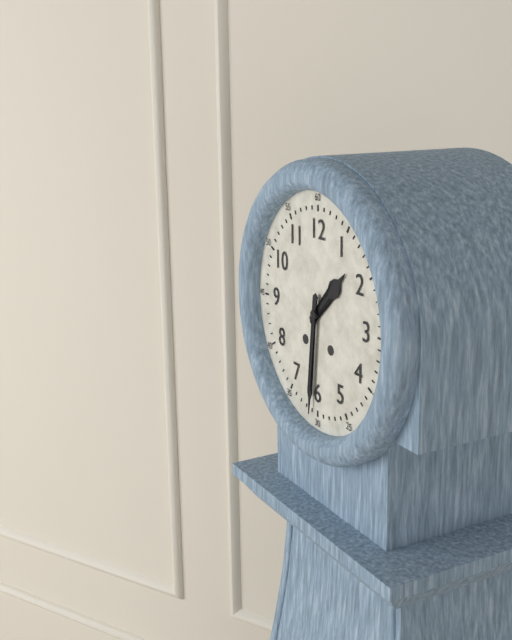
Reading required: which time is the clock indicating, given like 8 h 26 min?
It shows 1 h 31 min
